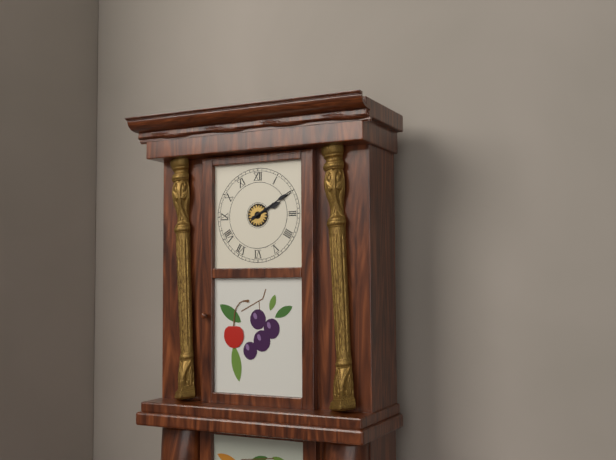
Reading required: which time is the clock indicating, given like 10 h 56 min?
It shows 2 h 10 min
